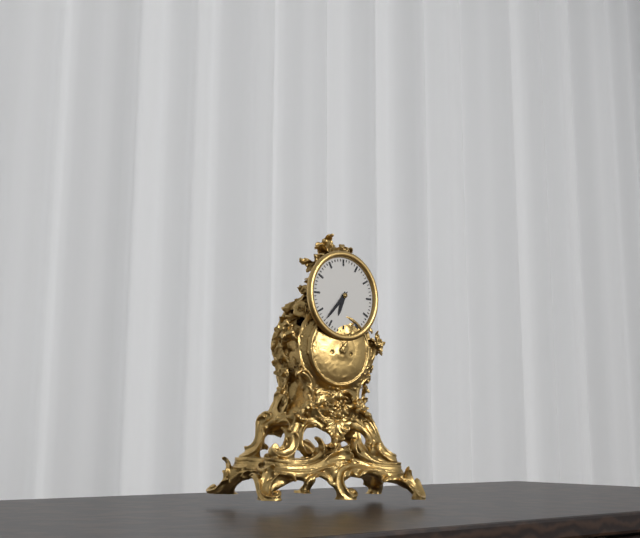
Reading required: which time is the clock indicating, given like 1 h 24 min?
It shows 6 h 37 min
